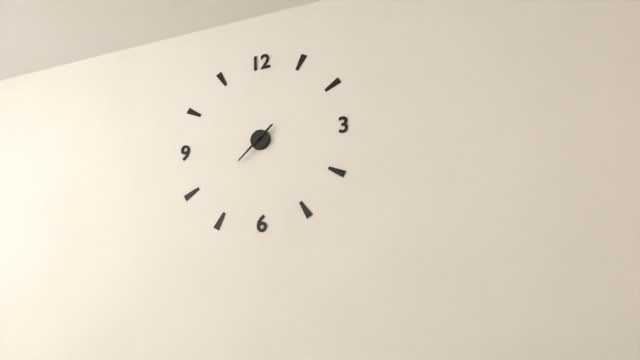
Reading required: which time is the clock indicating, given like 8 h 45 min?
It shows 1 h 38 min
